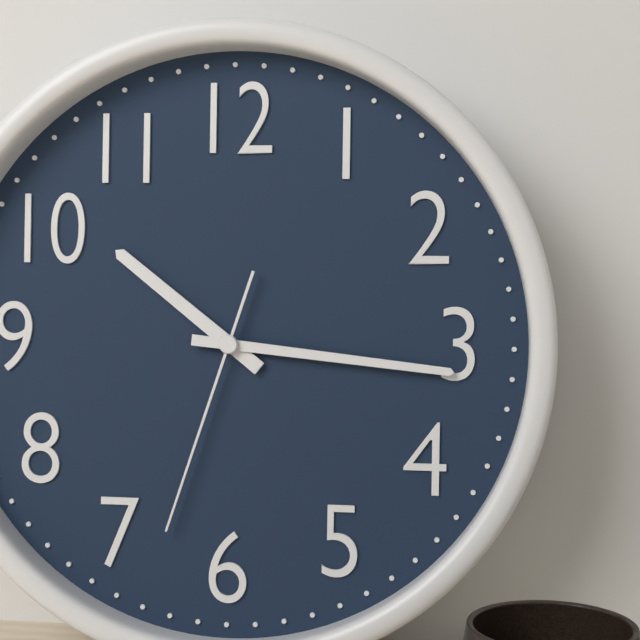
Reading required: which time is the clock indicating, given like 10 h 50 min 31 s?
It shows 10 h 16 min 33 s
